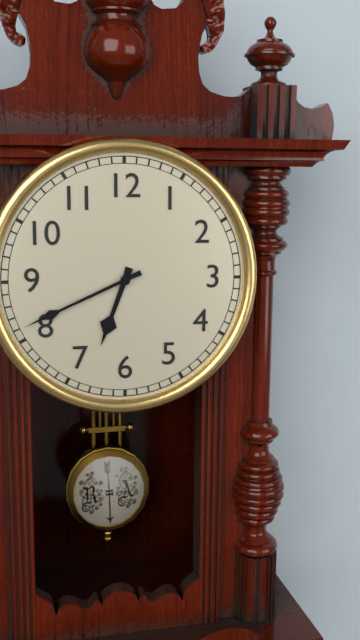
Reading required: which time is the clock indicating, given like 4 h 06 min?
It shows 6 h 41 min
